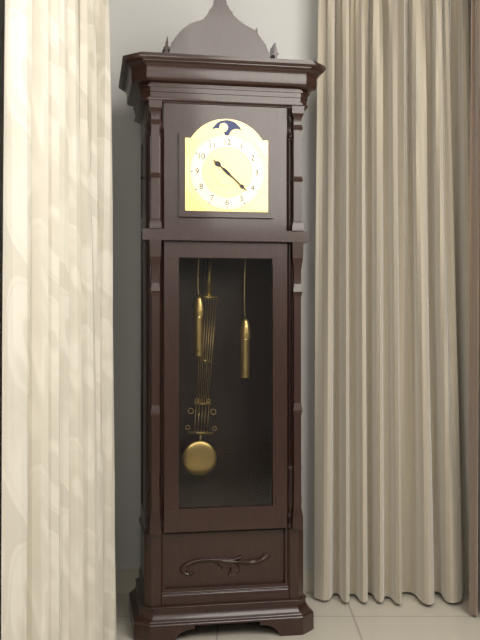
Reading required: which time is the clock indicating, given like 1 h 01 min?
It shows 10 h 22 min
